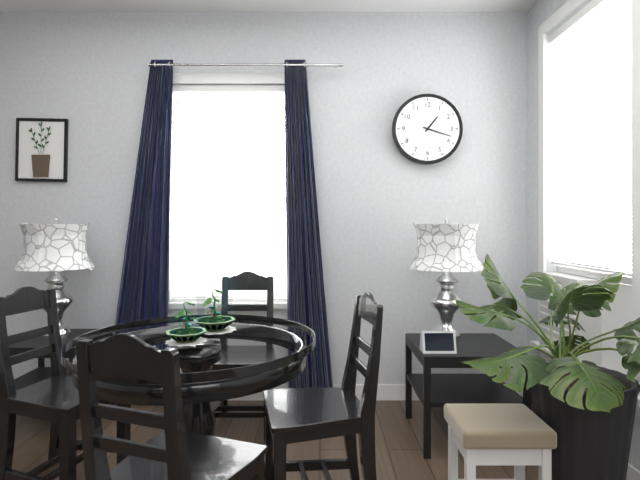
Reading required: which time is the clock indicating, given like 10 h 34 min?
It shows 1 h 18 min
